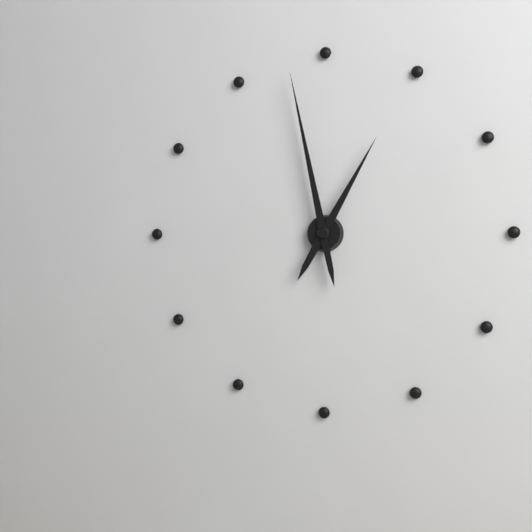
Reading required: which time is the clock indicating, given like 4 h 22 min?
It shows 12 h 58 min
